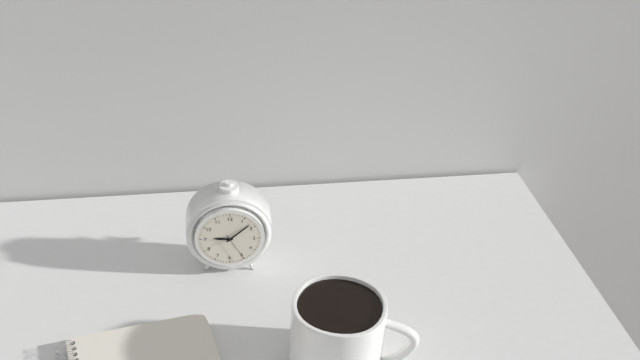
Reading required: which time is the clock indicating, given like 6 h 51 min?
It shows 9 h 08 min
